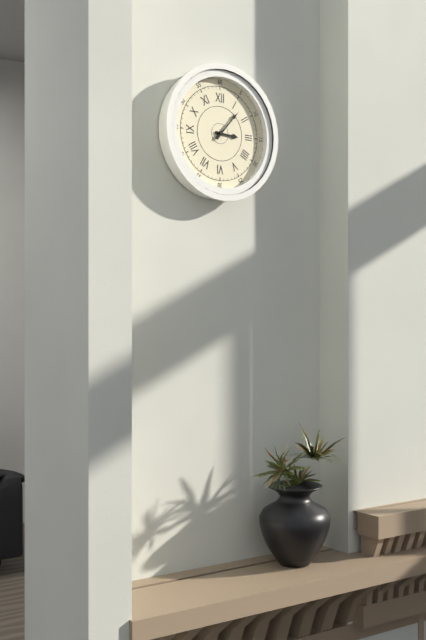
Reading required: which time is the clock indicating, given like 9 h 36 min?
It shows 3 h 07 min
